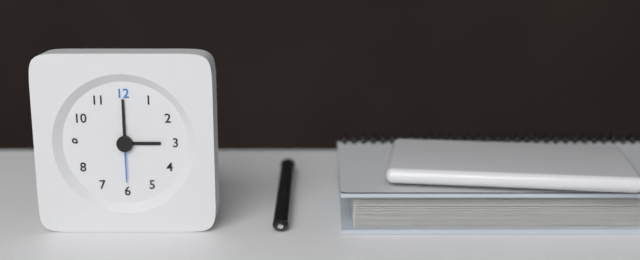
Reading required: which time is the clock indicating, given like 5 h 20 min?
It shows 3 h 00 min
